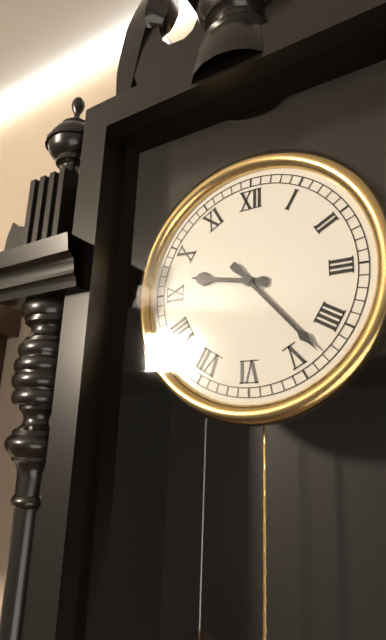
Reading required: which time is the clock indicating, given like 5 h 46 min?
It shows 9 h 23 min
